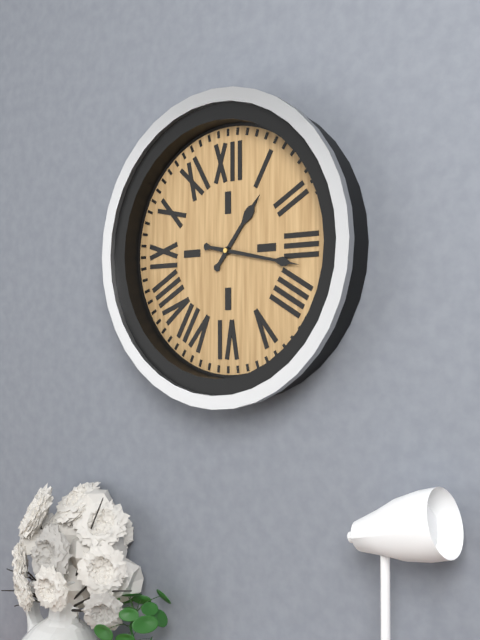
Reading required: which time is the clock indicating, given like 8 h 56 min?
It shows 1 h 17 min
